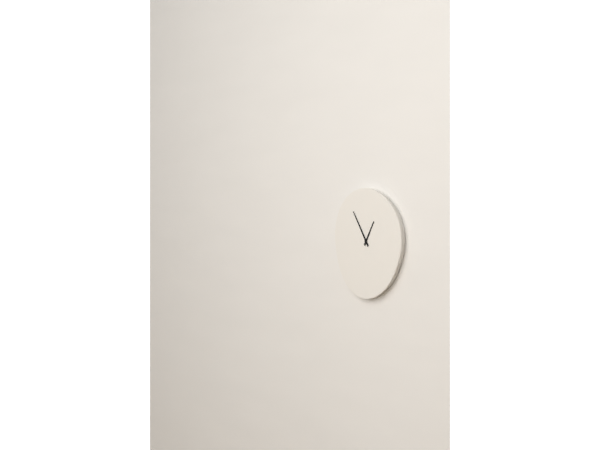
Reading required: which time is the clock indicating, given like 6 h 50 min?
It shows 12 h 55 min
